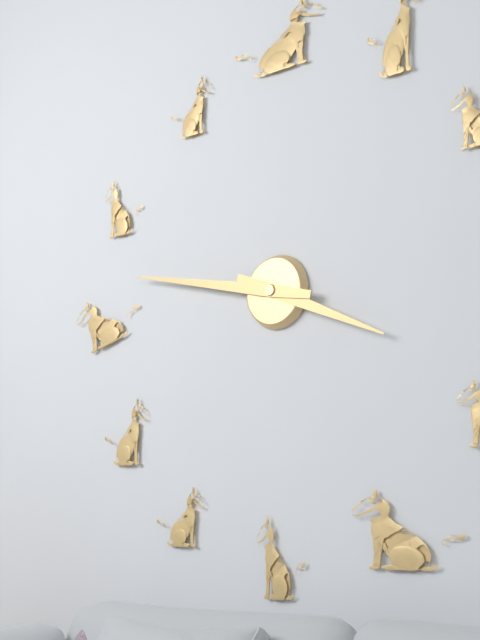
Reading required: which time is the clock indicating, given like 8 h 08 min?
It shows 3 h 47 min
